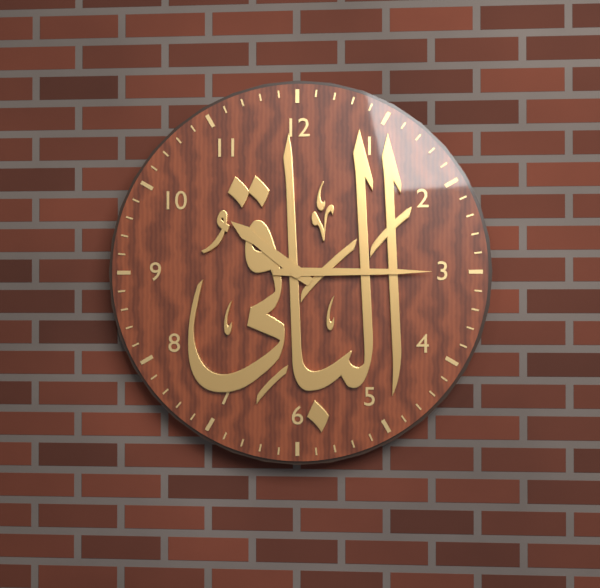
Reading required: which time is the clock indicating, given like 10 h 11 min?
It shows 10 h 15 min
